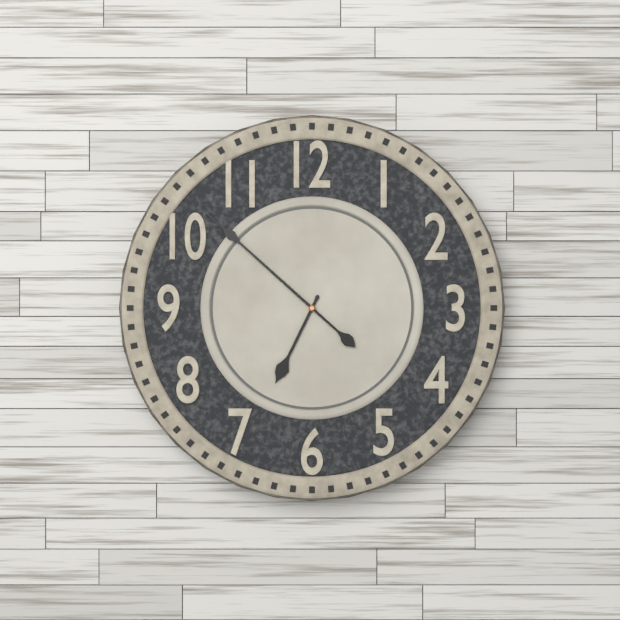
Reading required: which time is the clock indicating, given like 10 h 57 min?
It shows 6 h 52 min
